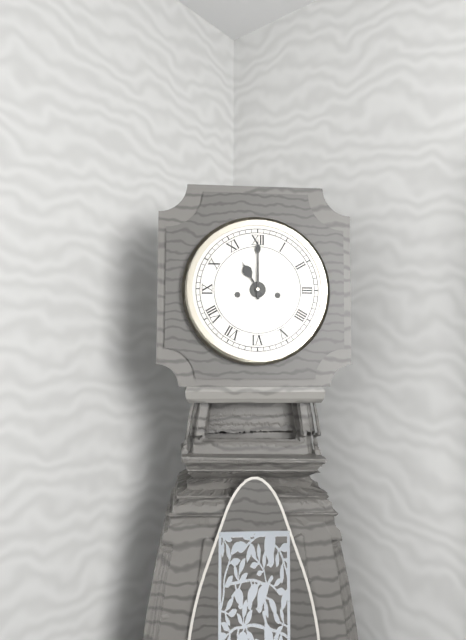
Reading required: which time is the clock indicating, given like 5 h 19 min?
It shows 11 h 00 min
